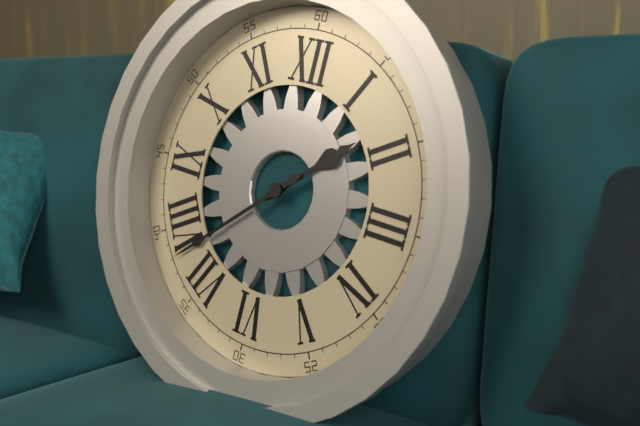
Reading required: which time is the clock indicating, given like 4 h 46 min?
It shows 1 h 38 min
